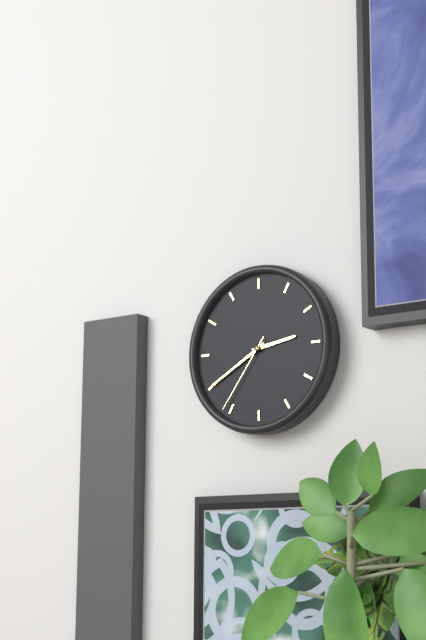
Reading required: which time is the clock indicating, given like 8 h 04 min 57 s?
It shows 2 h 40 min 36 s
